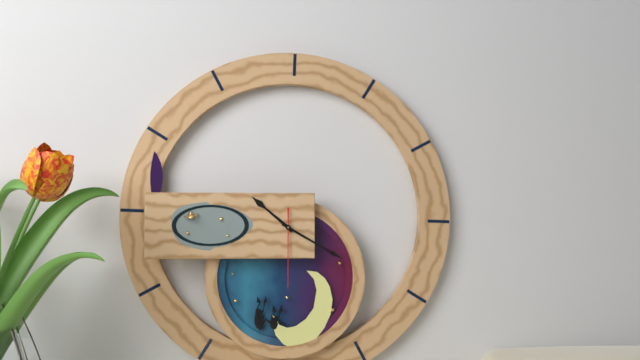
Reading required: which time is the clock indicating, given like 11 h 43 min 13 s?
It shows 10 h 20 min 30 s
